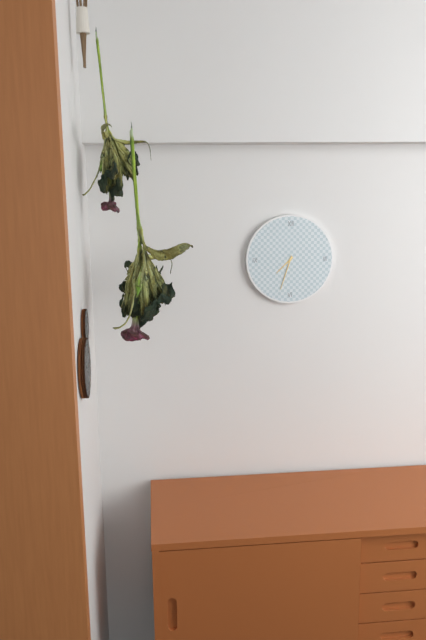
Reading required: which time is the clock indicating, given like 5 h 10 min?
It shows 7 h 33 min
